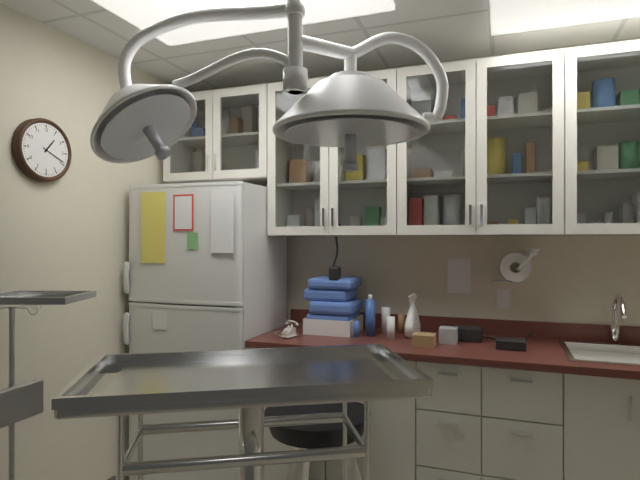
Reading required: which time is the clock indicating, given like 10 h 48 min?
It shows 1 h 19 min
